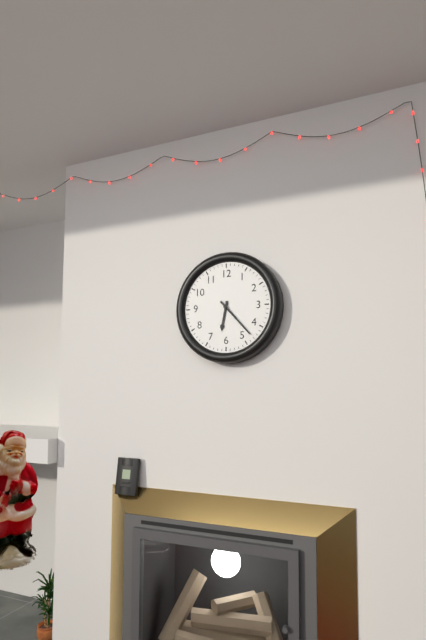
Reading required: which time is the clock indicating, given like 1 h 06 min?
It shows 6 h 23 min
